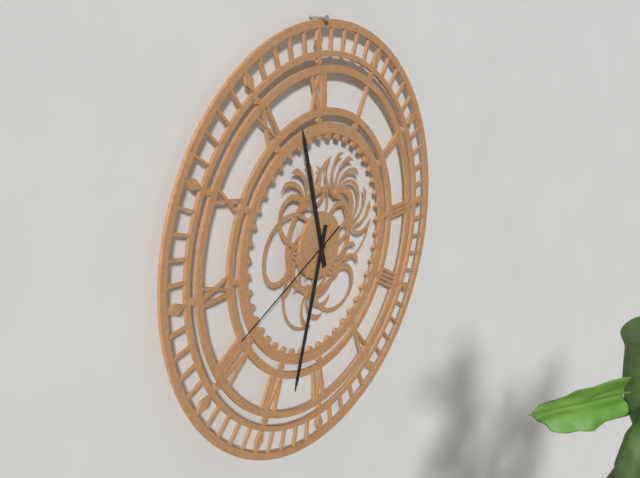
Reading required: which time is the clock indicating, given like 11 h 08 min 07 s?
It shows 11 h 33 min 41 s
